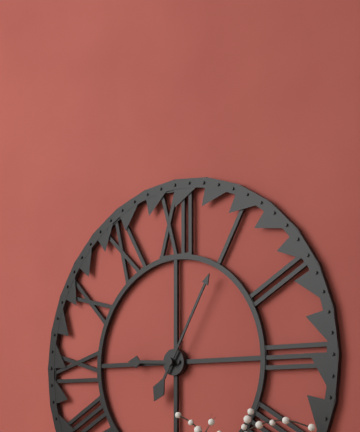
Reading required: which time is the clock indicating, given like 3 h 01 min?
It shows 9 h 05 min
